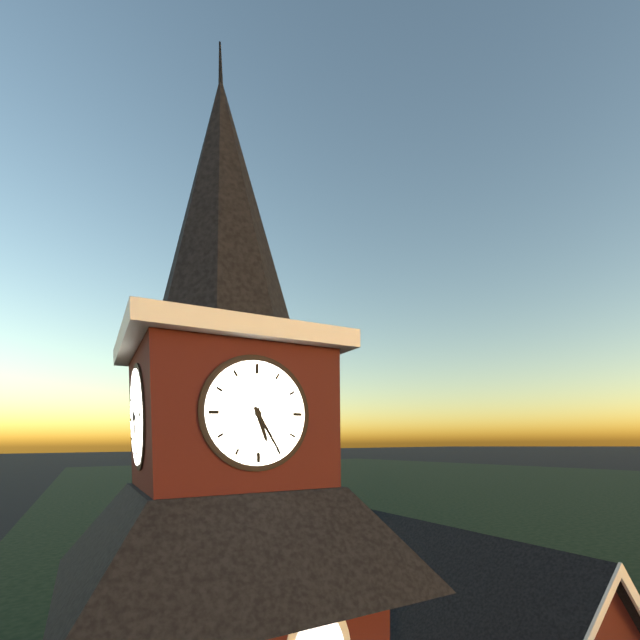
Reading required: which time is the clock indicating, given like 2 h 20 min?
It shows 5 h 25 min
